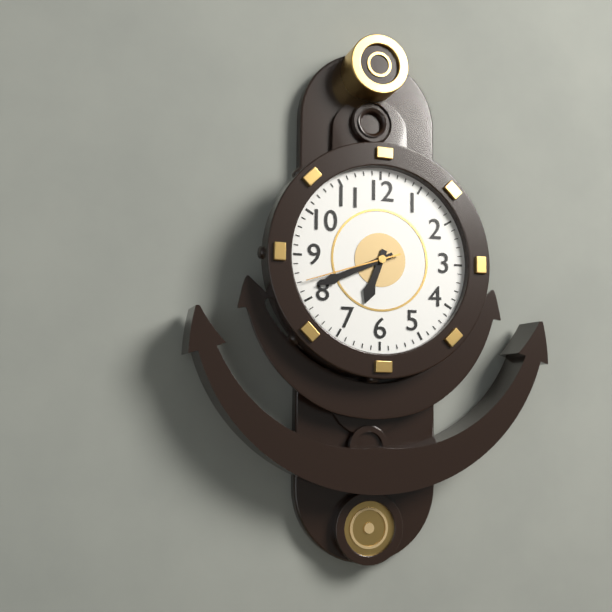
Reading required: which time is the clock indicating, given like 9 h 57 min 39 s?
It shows 6 h 41 min 42 s
